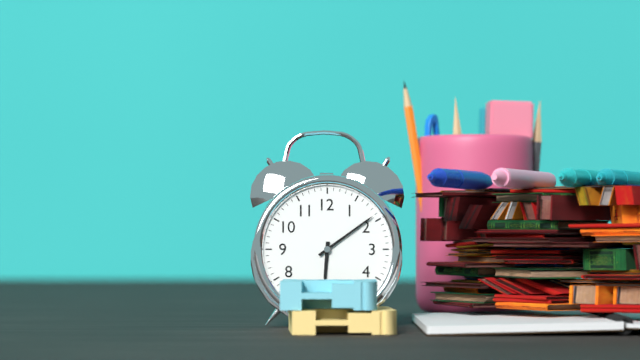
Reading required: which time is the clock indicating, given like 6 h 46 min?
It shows 6 h 09 min
